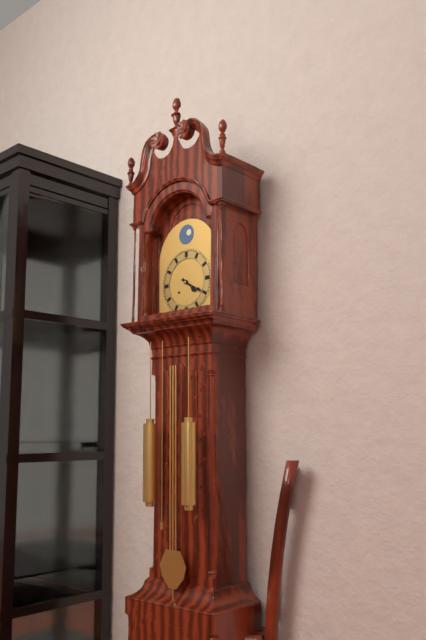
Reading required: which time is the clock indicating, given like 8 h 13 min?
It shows 4 h 20 min
